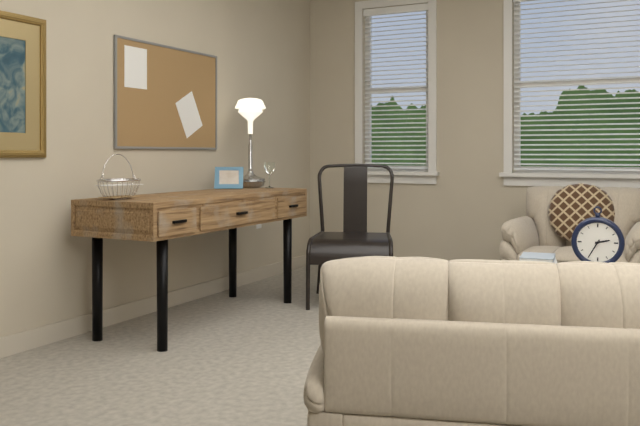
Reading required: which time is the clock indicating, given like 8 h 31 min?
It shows 2 h 35 min
